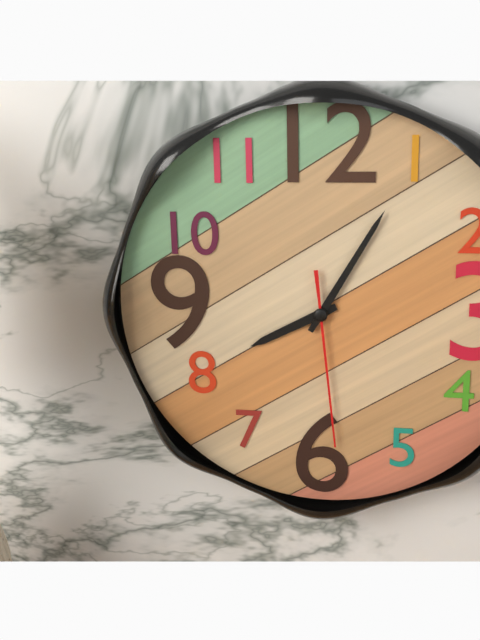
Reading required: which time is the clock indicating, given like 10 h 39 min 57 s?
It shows 8 h 05 min 29 s
